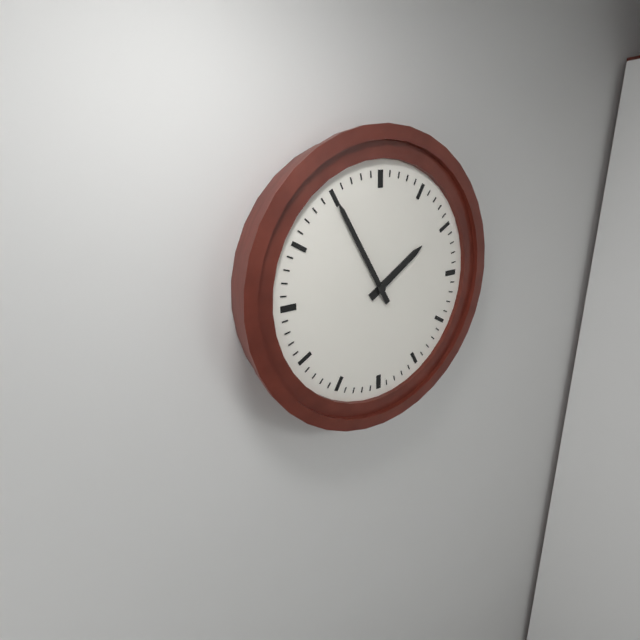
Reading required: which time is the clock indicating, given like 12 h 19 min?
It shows 1 h 55 min
